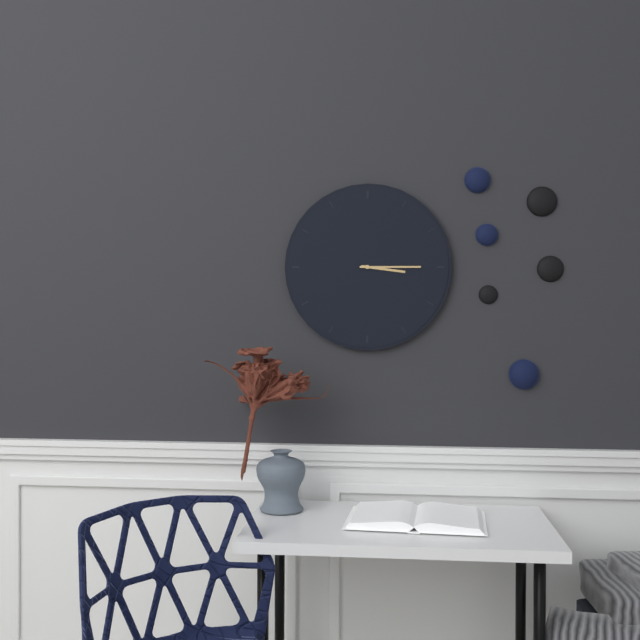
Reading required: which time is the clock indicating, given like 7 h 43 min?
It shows 3 h 15 min
